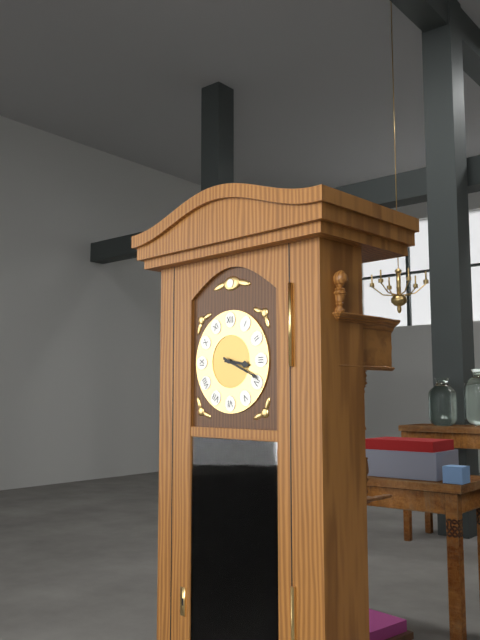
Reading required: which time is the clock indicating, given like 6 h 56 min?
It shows 3 h 19 min
